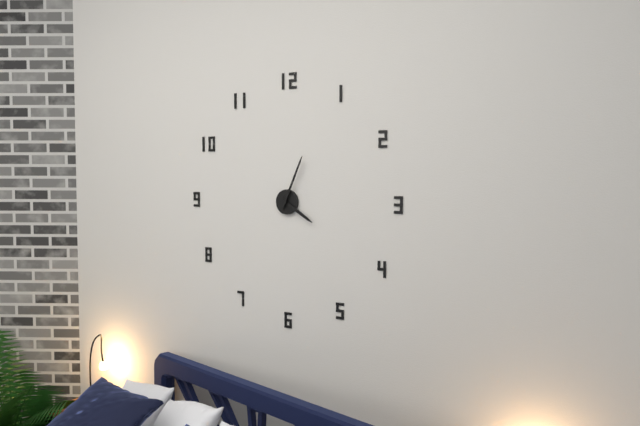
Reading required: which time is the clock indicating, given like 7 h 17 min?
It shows 4 h 04 min
